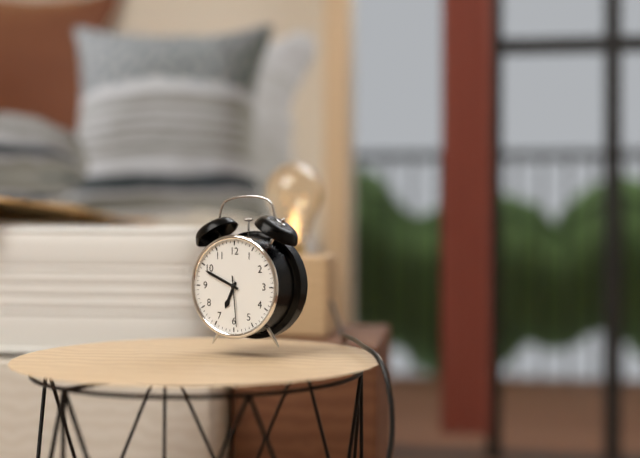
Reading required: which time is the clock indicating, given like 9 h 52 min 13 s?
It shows 6 h 49 min 29 s
